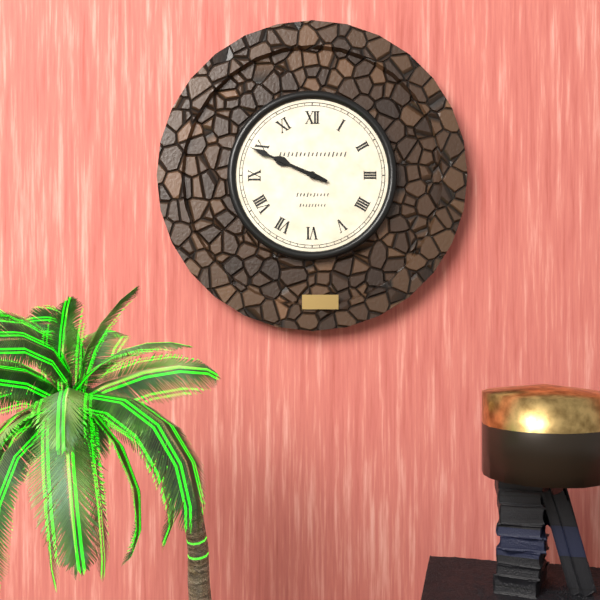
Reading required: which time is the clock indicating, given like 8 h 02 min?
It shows 9 h 49 min
